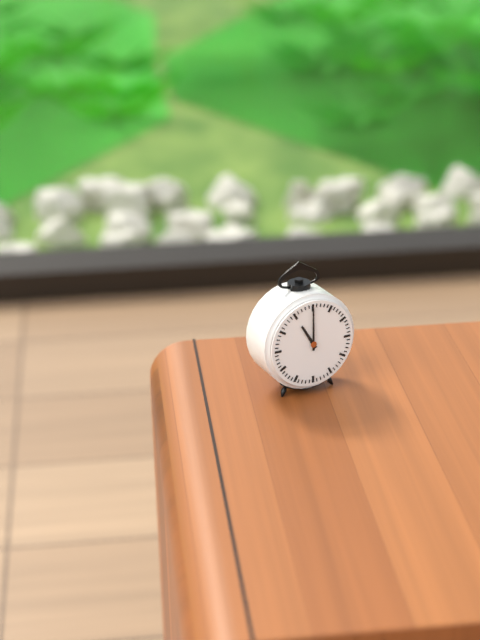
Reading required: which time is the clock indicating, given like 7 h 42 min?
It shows 11 h 00 min
